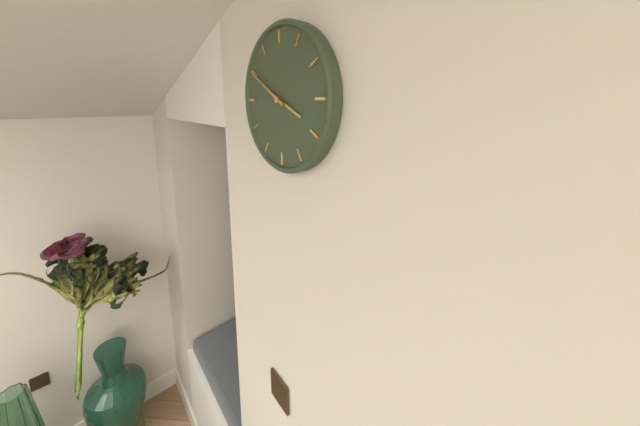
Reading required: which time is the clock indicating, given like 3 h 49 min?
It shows 3 h 50 min
